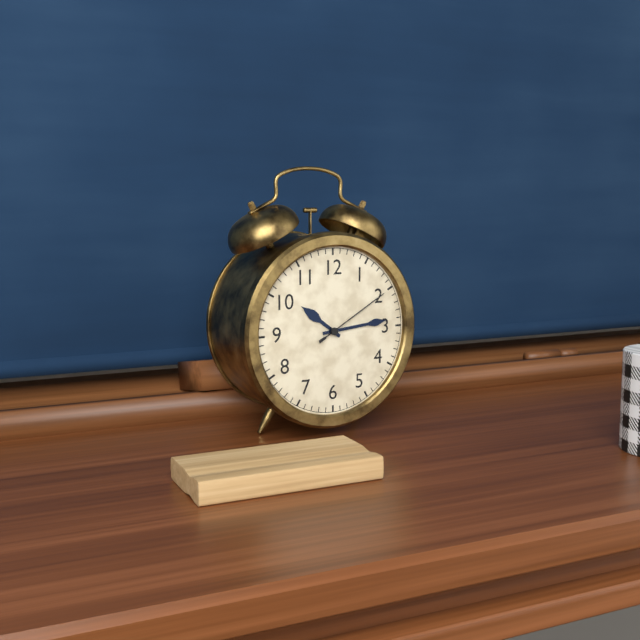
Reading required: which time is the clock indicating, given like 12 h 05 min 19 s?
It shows 10 h 14 min 10 s
